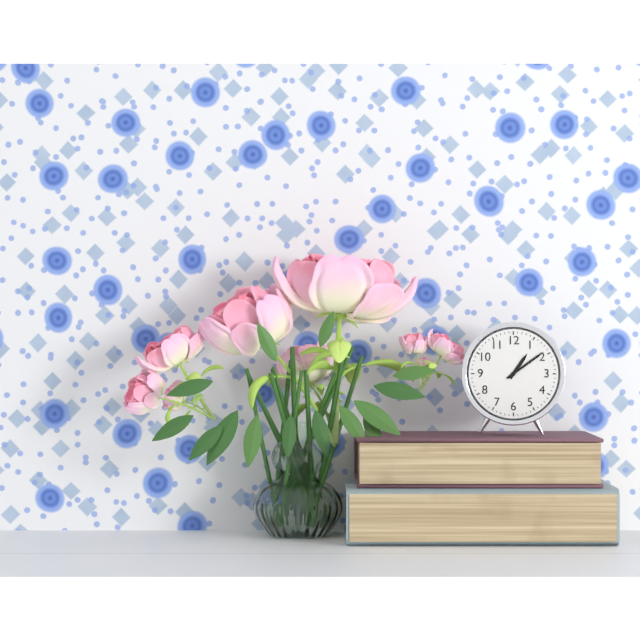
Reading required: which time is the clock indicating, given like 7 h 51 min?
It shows 1 h 09 min
